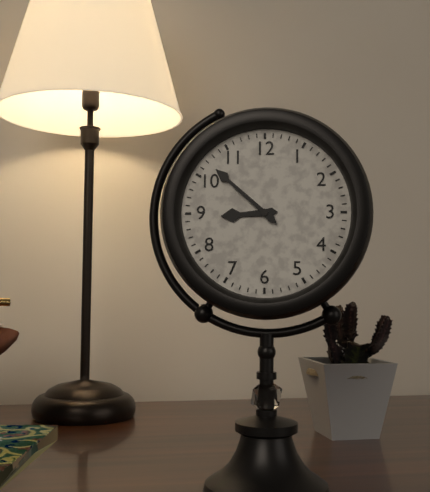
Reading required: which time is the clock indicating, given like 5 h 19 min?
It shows 8 h 52 min
